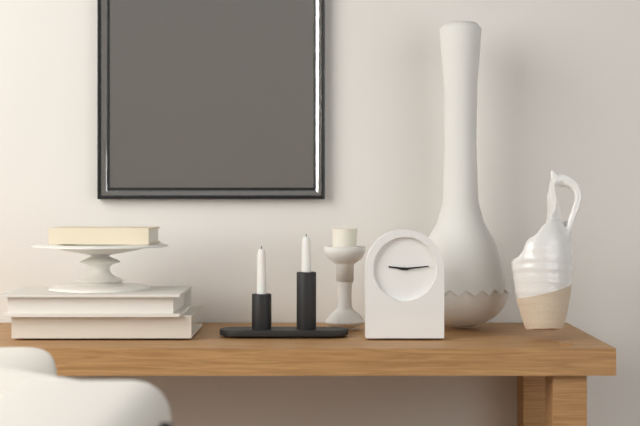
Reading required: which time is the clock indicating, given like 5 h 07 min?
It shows 9 h 14 min
